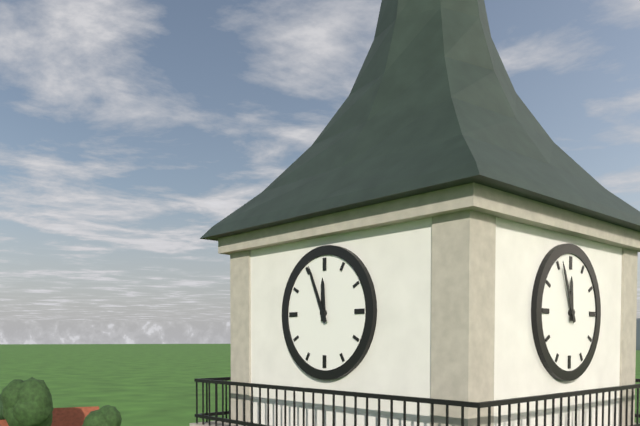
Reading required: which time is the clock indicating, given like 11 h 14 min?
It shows 11 h 56 min
